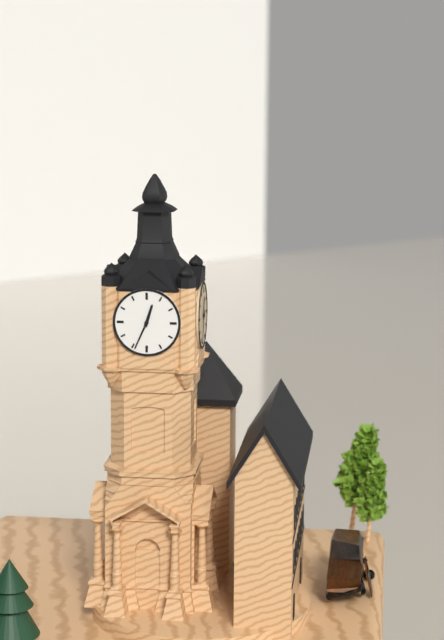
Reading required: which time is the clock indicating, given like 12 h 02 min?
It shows 12 h 34 min
